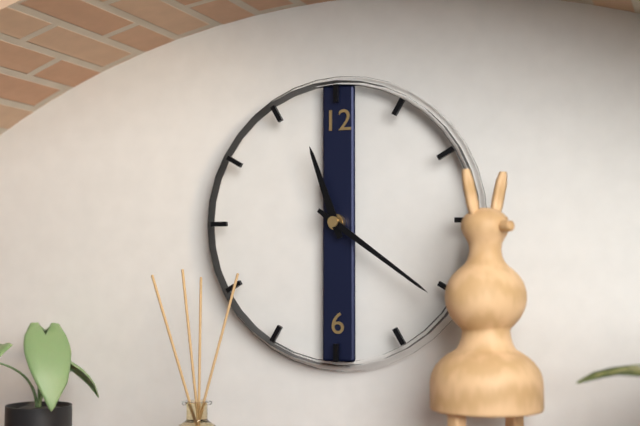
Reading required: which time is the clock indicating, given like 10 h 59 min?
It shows 11 h 21 min
